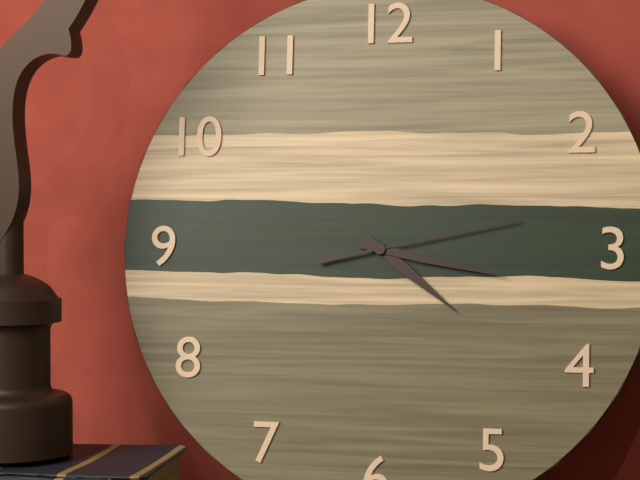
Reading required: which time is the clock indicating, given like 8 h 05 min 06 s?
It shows 4 h 17 min 13 s
